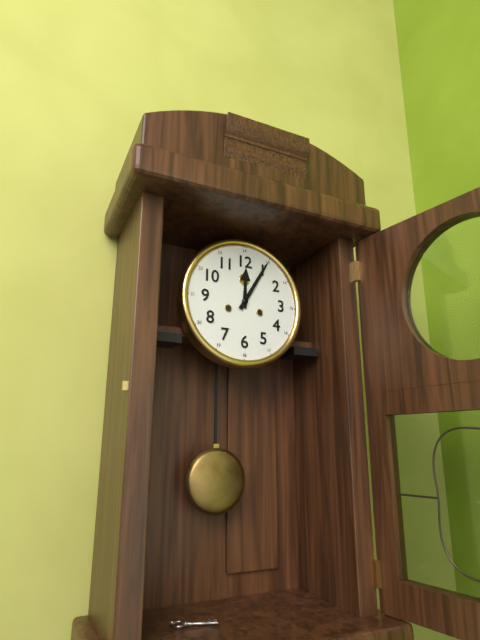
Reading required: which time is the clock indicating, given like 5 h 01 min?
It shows 12 h 05 min
